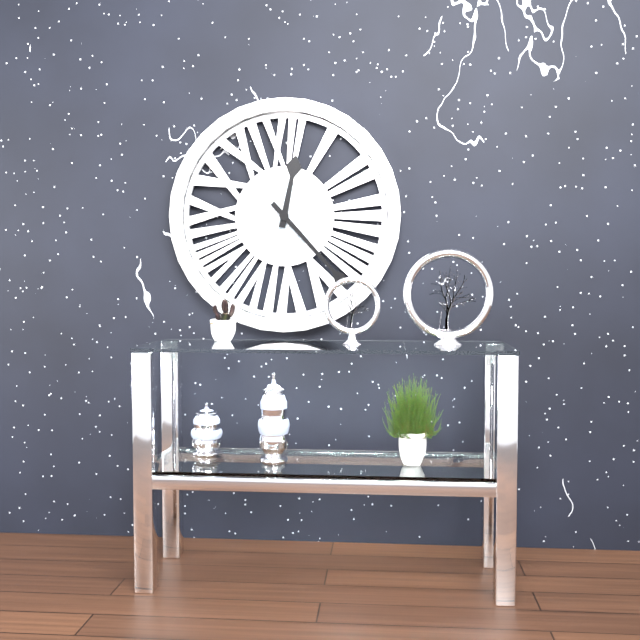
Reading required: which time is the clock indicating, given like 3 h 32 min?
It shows 12 h 23 min
